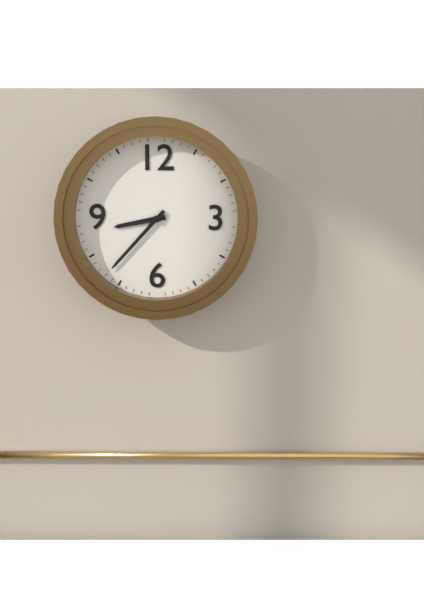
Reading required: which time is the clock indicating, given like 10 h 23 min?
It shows 8 h 37 min
